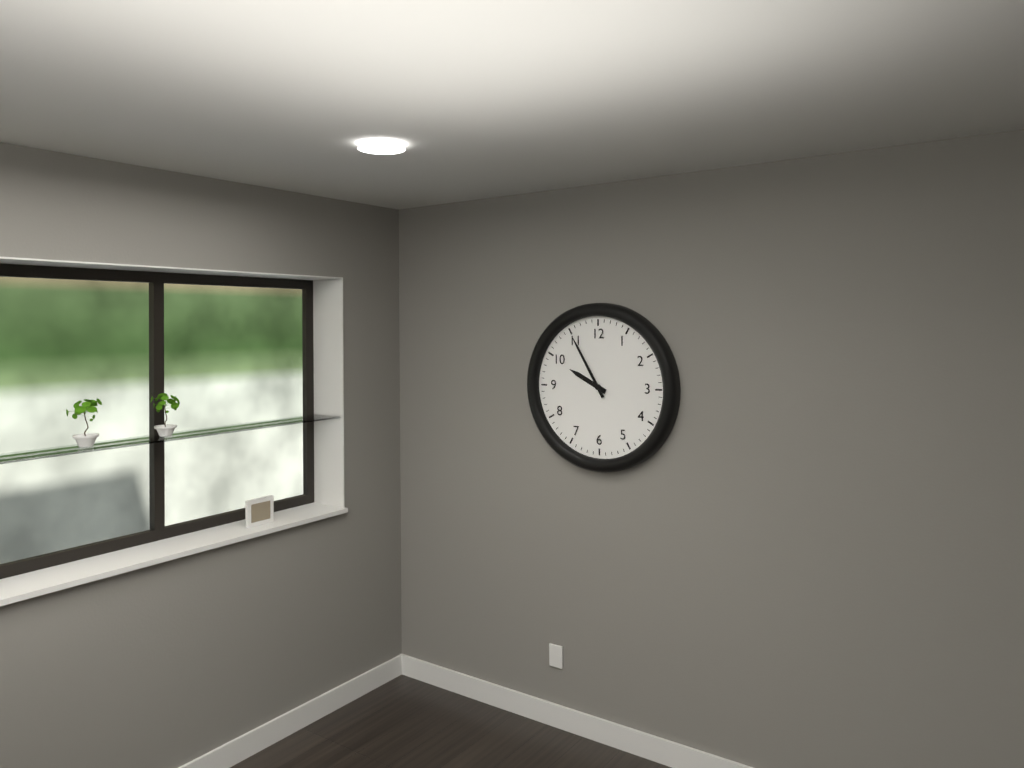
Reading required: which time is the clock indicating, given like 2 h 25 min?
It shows 9 h 55 min
